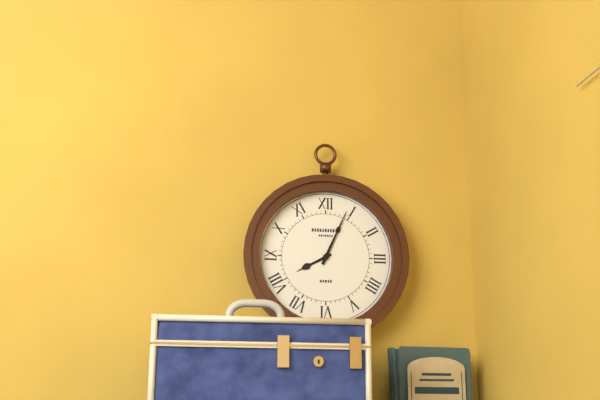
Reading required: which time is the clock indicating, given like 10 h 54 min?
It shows 8 h 04 min
